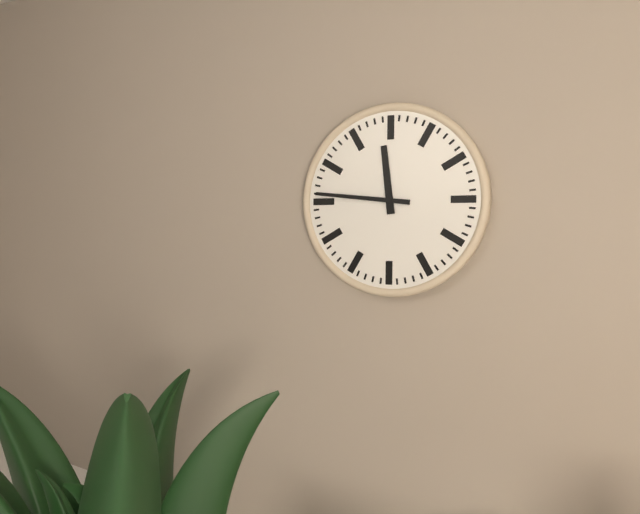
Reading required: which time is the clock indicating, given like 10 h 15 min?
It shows 11 h 46 min
